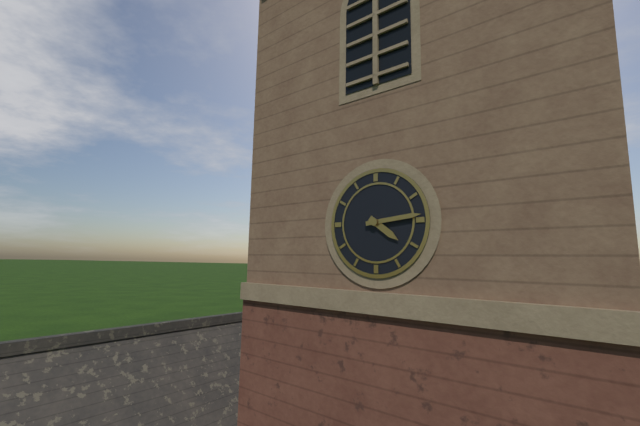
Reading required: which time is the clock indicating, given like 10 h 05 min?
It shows 4 h 14 min
